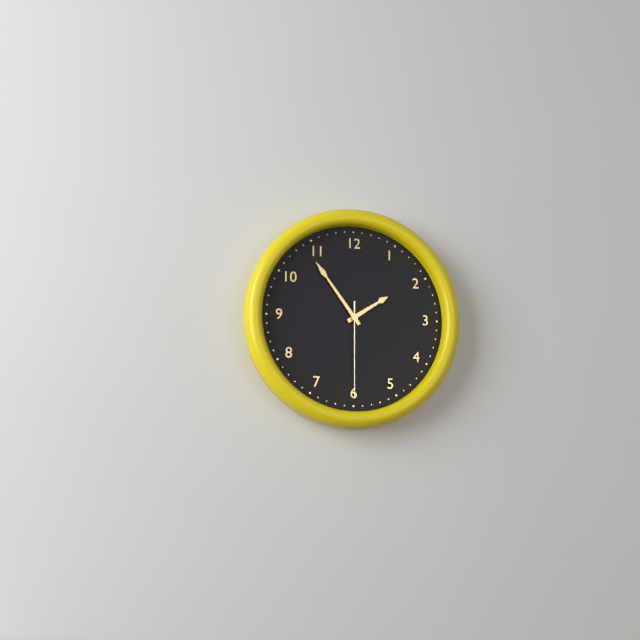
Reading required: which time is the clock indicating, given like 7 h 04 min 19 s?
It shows 1 h 54 min 30 s
